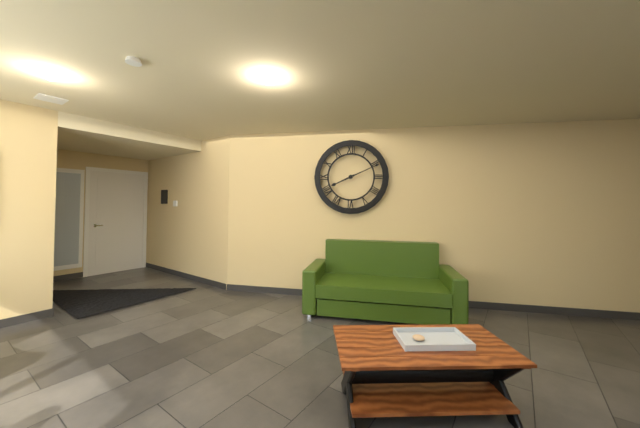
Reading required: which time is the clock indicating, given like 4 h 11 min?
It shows 8 h 11 min
